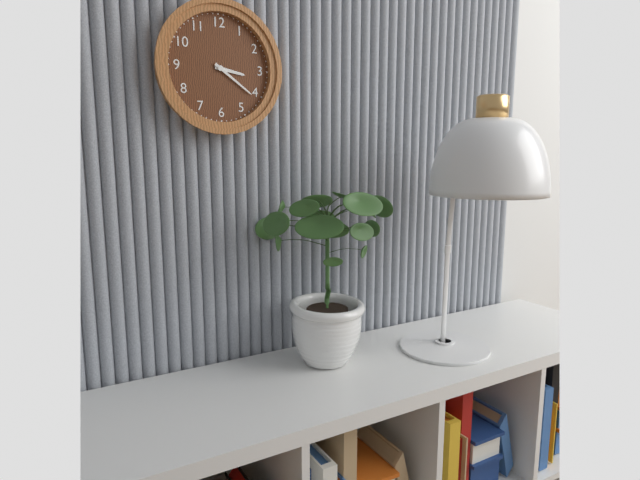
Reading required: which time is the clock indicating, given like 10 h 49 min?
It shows 3 h 21 min
